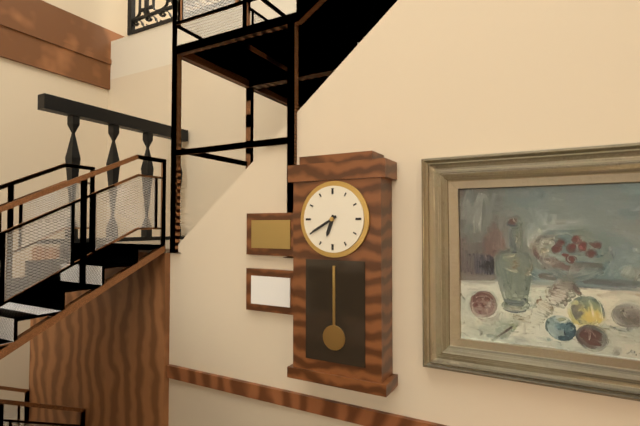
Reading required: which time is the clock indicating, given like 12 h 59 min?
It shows 6 h 40 min
